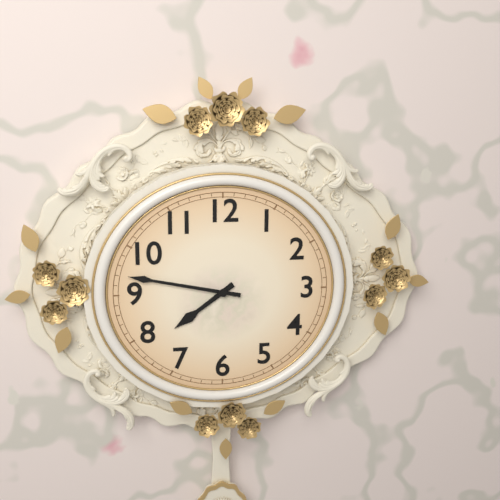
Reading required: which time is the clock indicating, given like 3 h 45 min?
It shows 7 h 47 min
